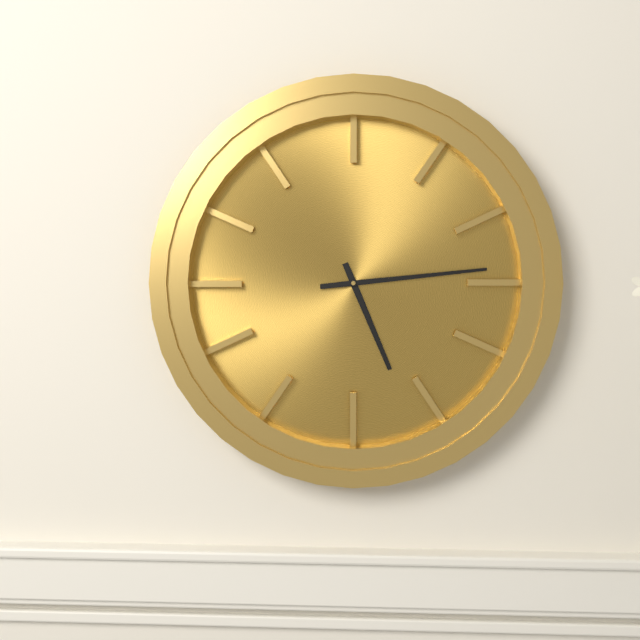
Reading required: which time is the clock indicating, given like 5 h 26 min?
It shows 5 h 14 min
